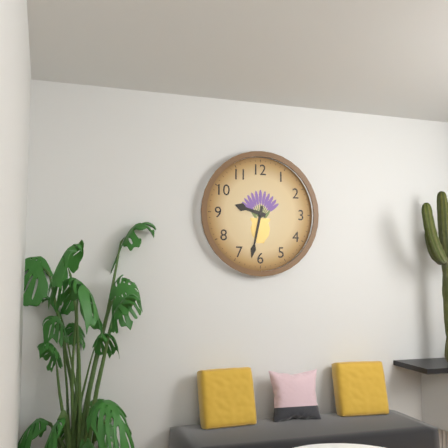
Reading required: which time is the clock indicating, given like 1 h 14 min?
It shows 9 h 32 min
